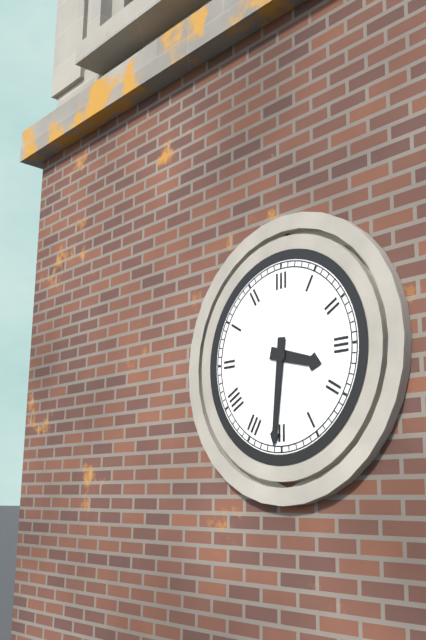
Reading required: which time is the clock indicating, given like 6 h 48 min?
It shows 3 h 31 min
